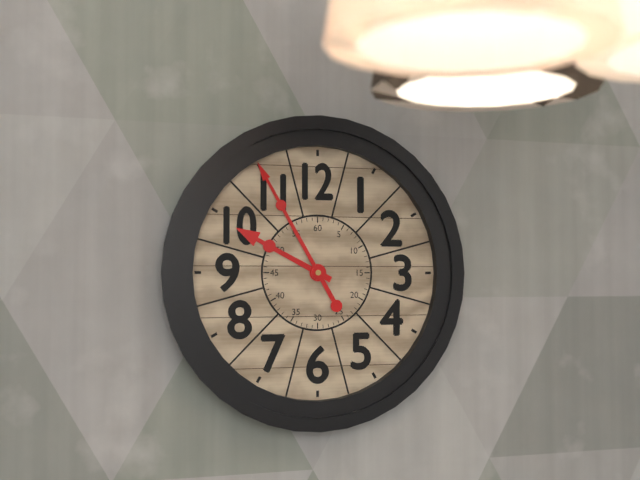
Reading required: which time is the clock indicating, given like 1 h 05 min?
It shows 9 h 55 min
